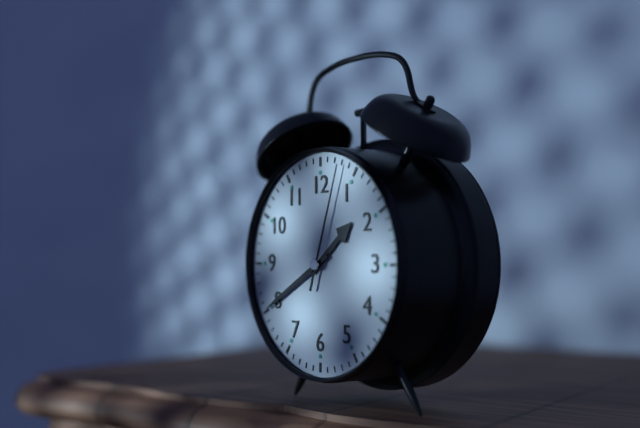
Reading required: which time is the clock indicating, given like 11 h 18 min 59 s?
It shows 1 h 40 min 03 s
